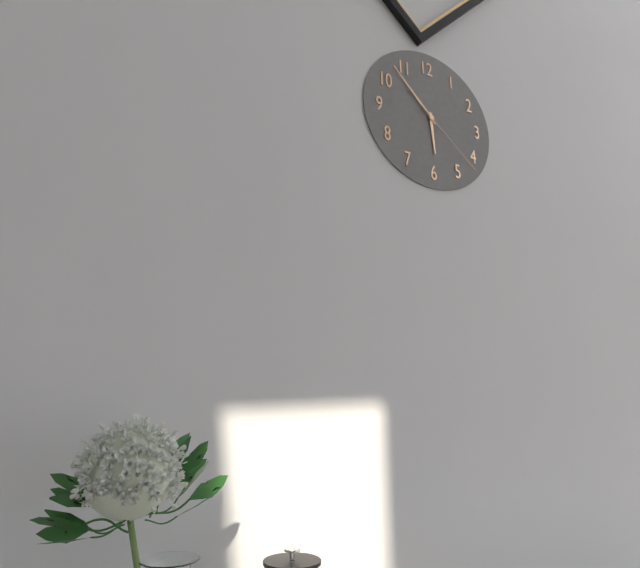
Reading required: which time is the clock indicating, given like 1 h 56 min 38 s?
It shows 5 h 53 min 22 s
